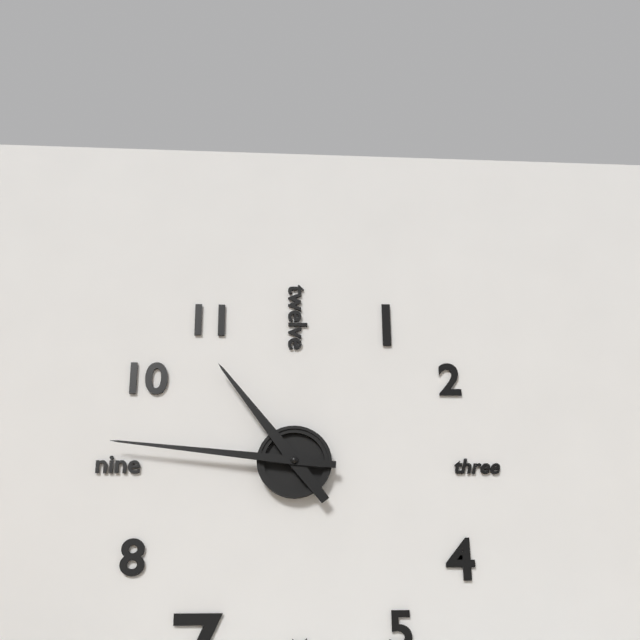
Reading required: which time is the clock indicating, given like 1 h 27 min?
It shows 10 h 46 min
